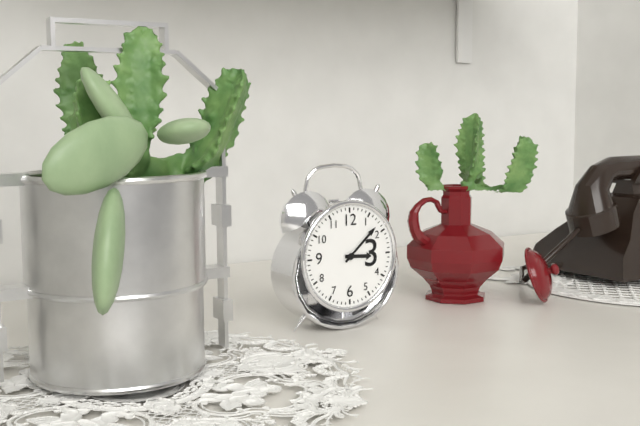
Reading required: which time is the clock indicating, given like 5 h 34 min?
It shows 3 h 08 min
